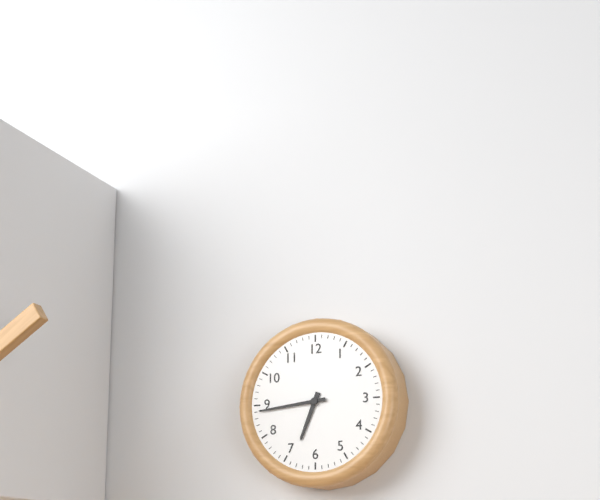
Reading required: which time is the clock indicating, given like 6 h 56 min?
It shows 6 h 44 min
